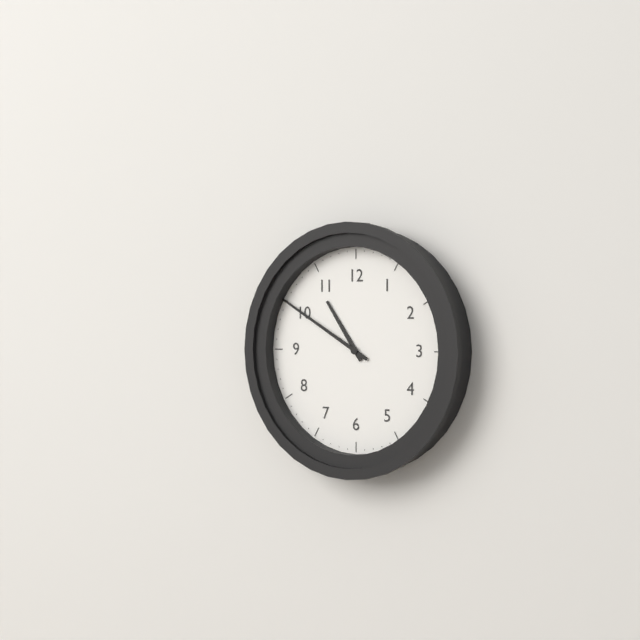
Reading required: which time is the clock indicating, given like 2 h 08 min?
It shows 10 h 50 min
